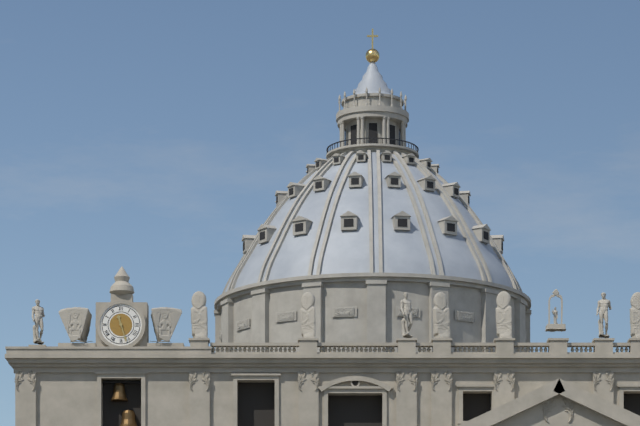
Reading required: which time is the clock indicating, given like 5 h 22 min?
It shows 11 h 27 min
